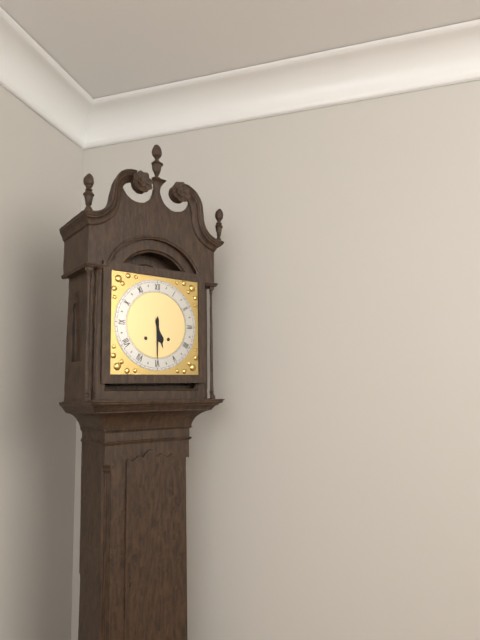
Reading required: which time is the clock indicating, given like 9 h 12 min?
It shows 5 h 30 min
